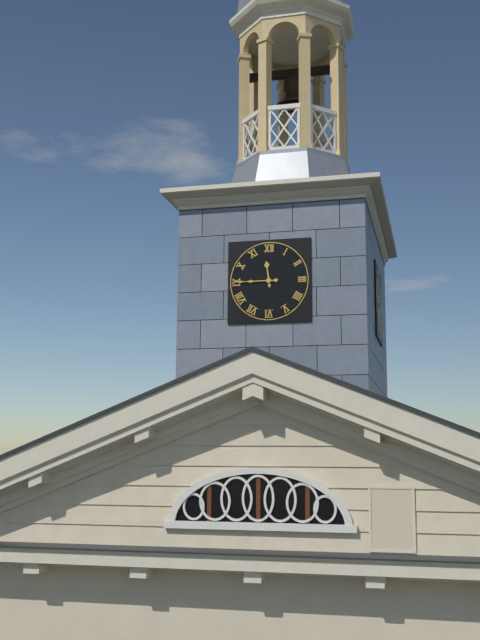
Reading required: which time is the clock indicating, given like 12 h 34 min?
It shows 11 h 45 min
